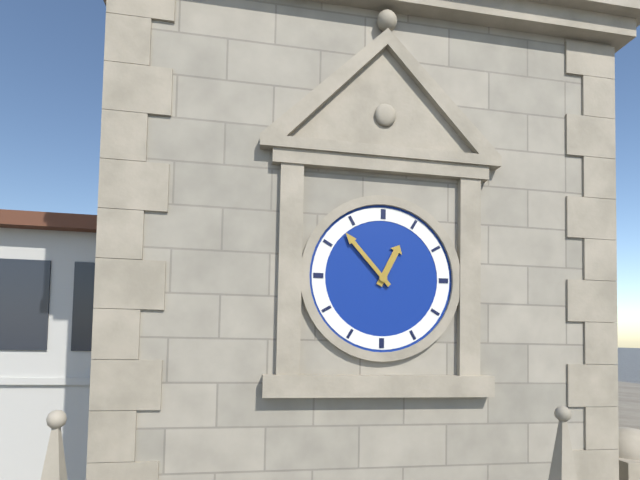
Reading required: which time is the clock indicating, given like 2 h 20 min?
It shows 12 h 53 min
